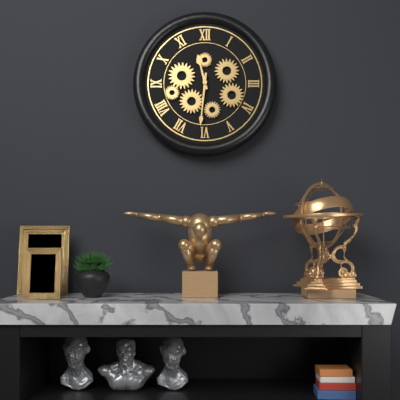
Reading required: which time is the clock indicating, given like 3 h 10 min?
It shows 11 h 31 min
